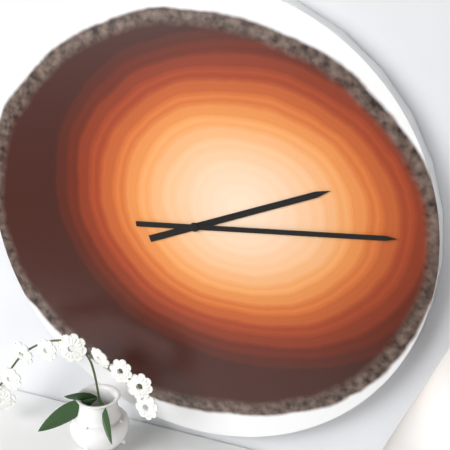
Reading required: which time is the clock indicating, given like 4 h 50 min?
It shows 2 h 14 min
